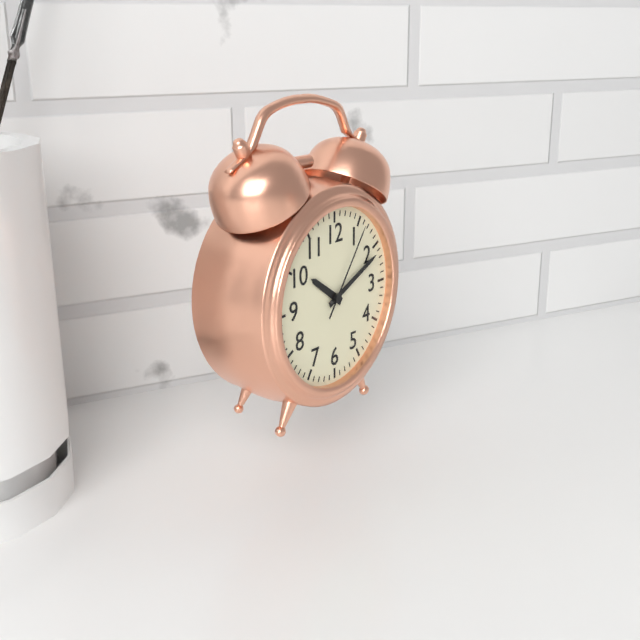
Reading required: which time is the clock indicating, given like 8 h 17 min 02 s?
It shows 10 h 11 min 06 s
